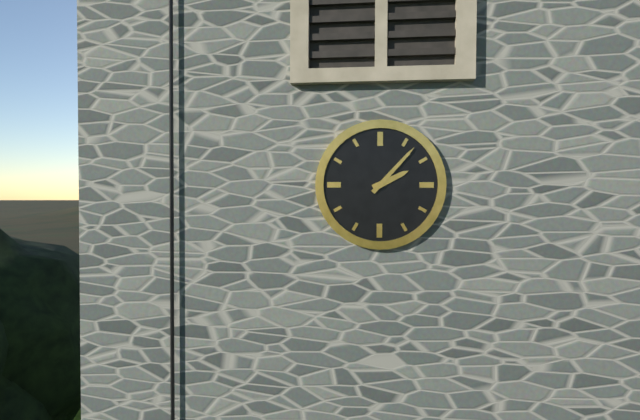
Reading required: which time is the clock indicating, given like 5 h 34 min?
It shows 2 h 07 min
